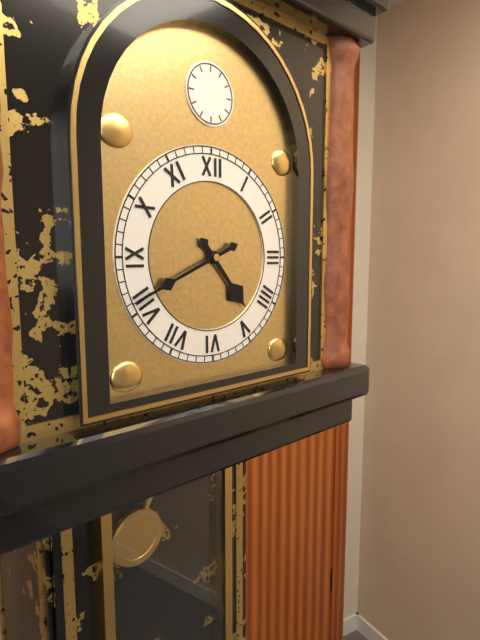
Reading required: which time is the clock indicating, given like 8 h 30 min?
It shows 4 h 41 min
